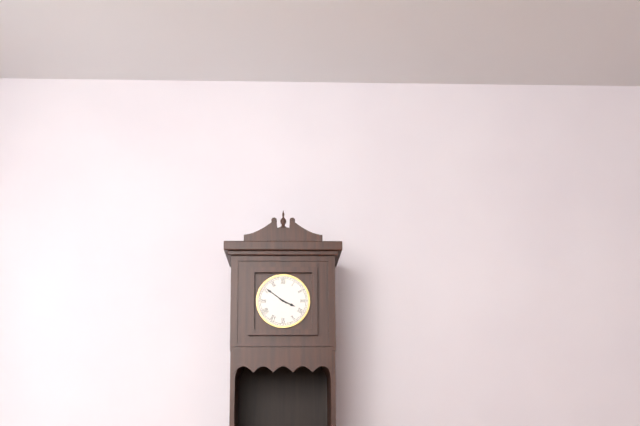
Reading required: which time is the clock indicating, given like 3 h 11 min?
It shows 3 h 51 min
